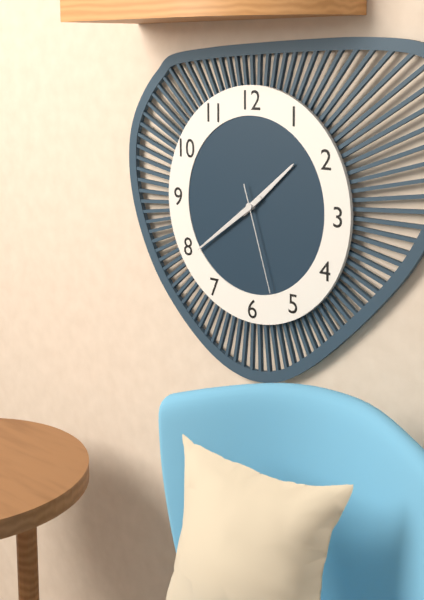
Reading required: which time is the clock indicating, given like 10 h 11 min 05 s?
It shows 1 h 39 min 27 s
